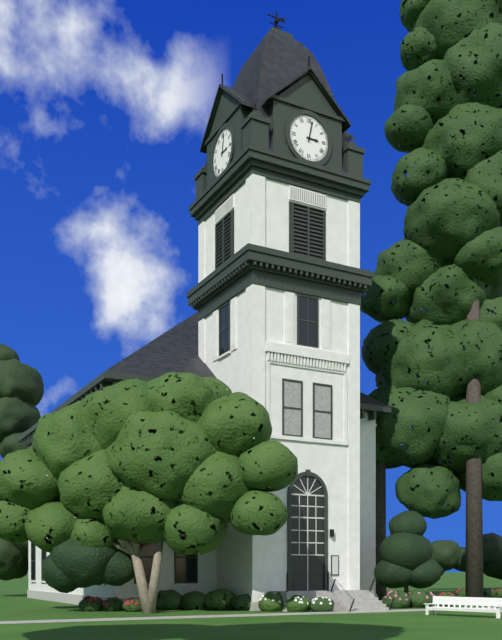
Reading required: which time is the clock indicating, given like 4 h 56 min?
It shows 3 h 02 min
